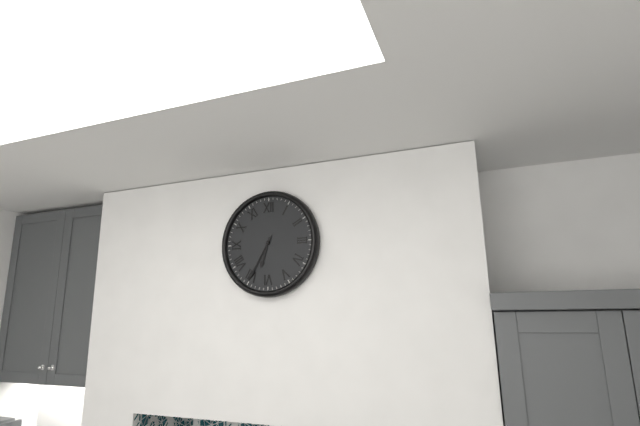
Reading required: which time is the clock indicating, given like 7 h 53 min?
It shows 6 h 35 min
